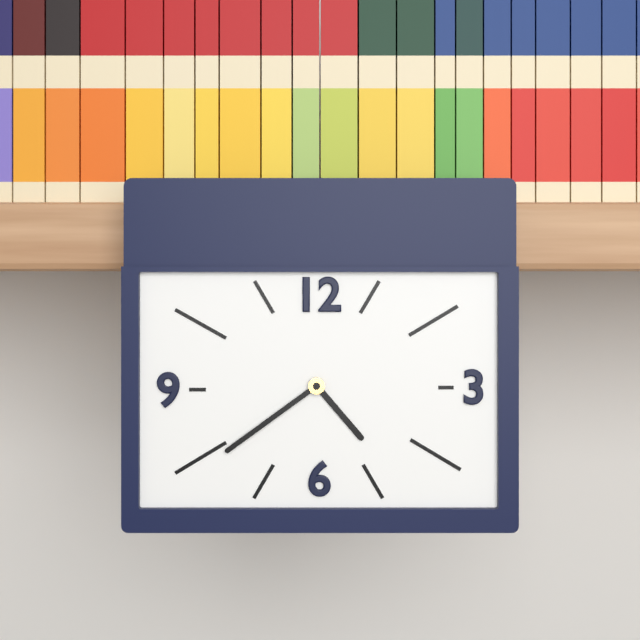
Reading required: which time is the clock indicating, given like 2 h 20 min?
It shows 4 h 39 min
